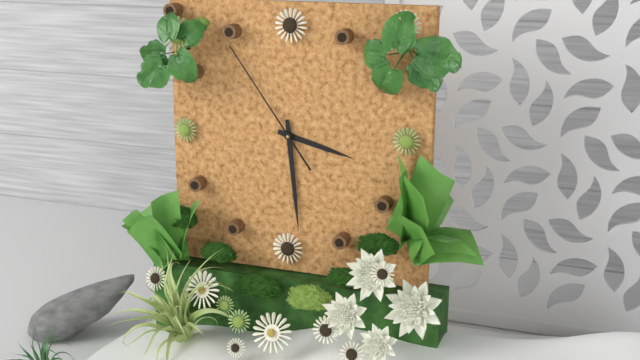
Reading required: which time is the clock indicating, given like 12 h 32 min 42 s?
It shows 3 h 29 min 54 s
